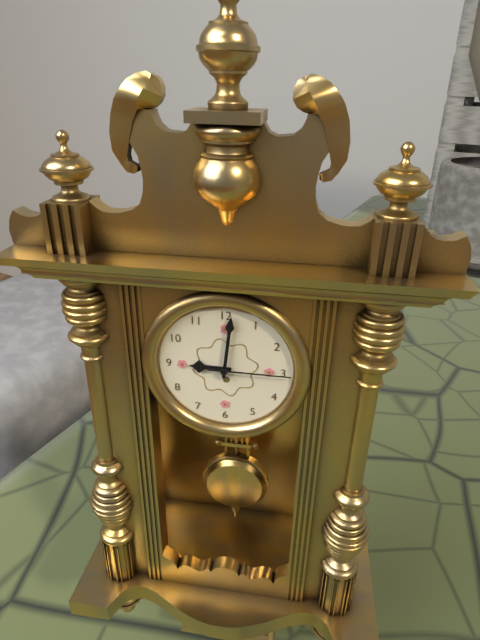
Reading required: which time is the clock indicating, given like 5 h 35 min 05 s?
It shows 9 h 01 min 15 s
